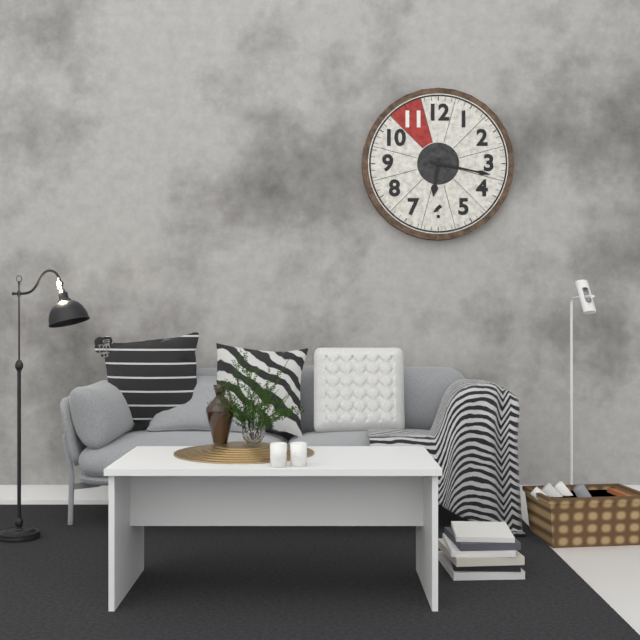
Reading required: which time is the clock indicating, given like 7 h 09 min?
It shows 6 h 17 min
